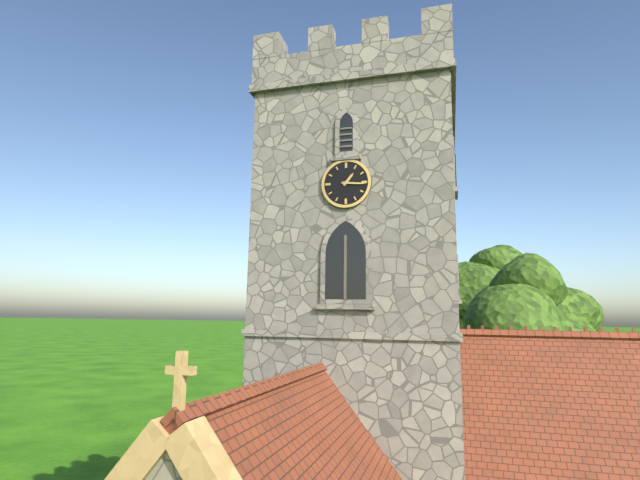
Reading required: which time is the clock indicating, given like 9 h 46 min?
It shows 1 h 16 min
